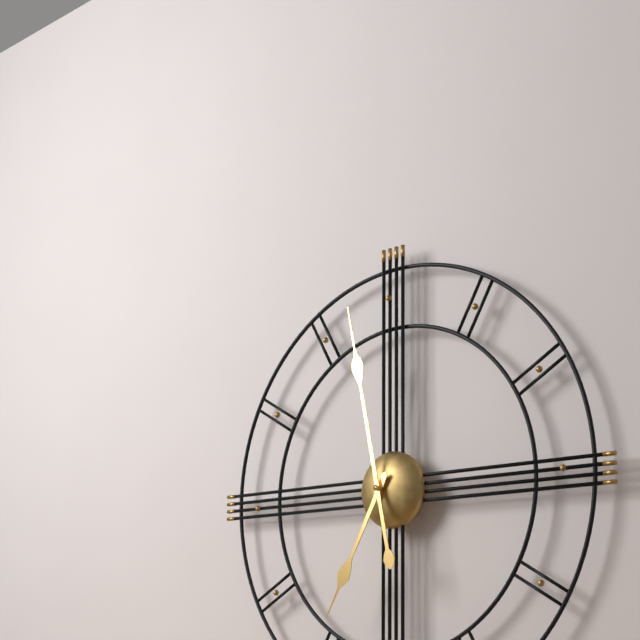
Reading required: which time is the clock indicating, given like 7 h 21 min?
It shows 6 h 58 min
